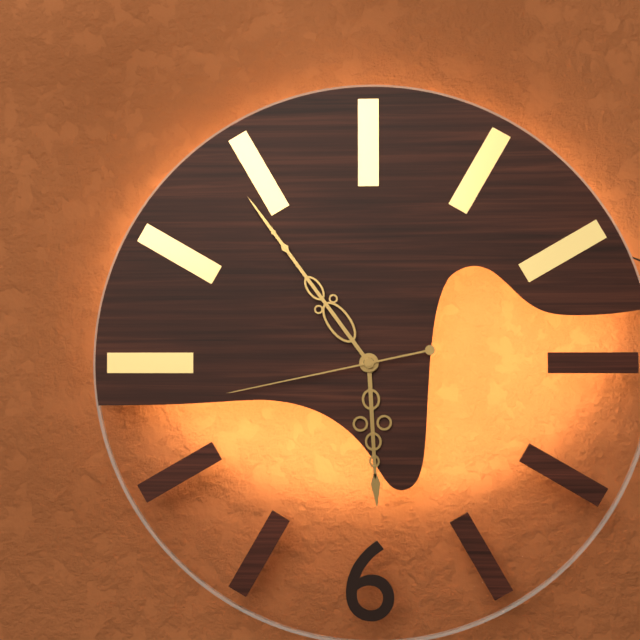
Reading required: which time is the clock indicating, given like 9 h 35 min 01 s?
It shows 5 h 54 min 43 s
